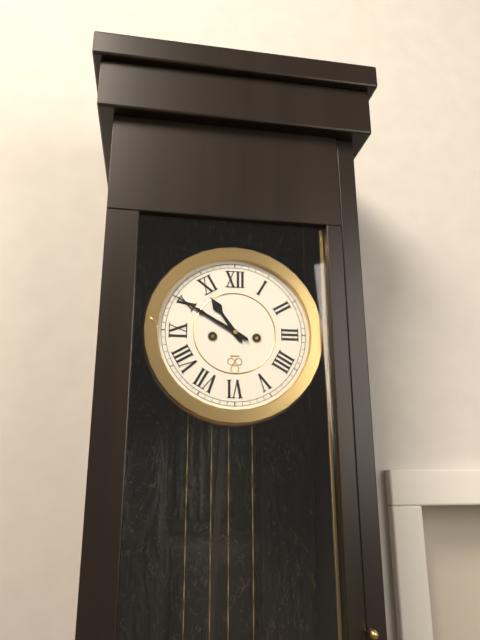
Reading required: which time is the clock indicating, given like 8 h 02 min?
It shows 10 h 50 min
